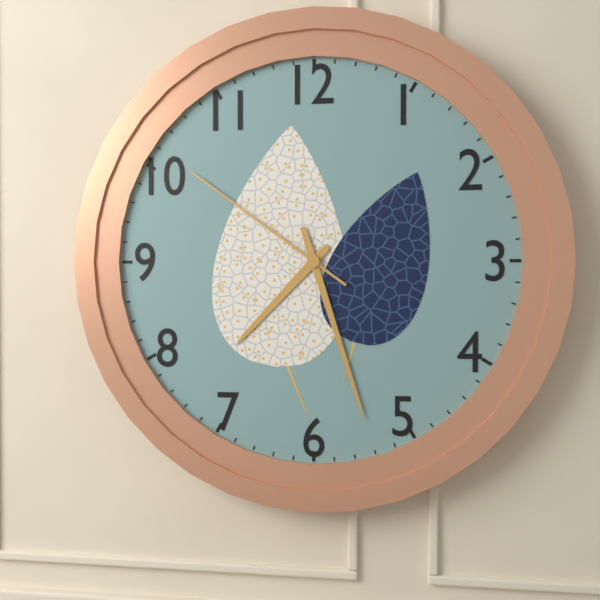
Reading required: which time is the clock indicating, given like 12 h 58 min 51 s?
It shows 7 h 27 min 51 s
